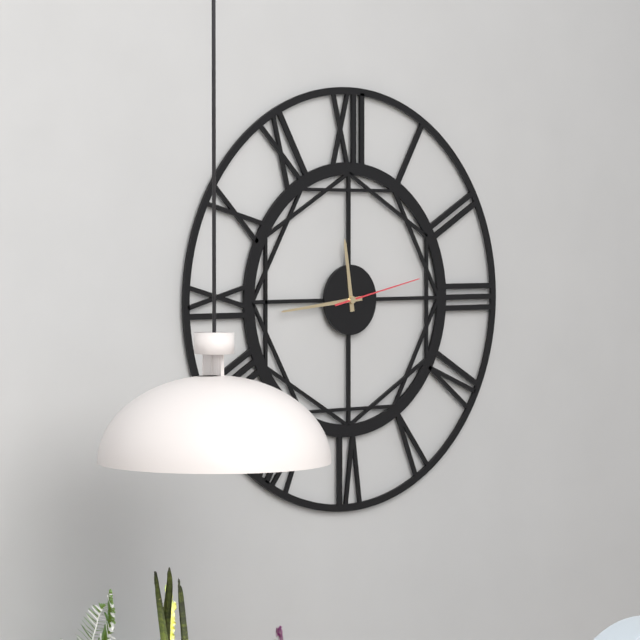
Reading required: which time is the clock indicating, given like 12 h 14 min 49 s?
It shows 11 h 44 min 13 s
